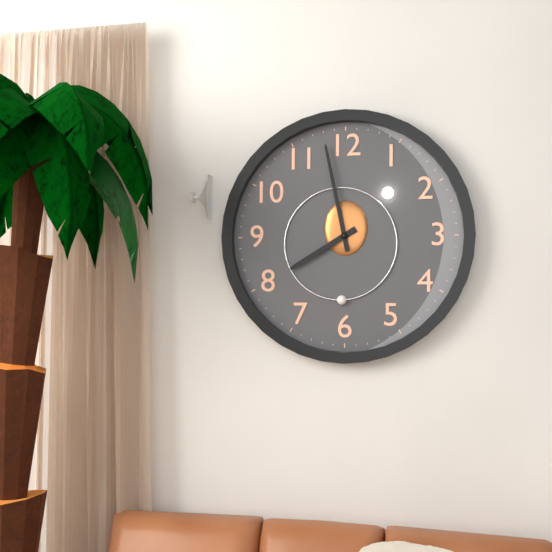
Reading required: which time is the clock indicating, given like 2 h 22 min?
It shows 7 h 58 min
